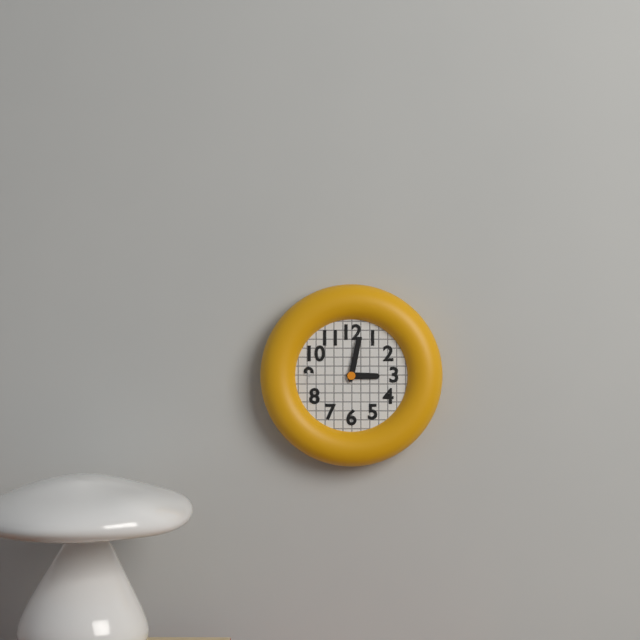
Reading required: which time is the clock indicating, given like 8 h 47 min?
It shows 3 h 02 min
